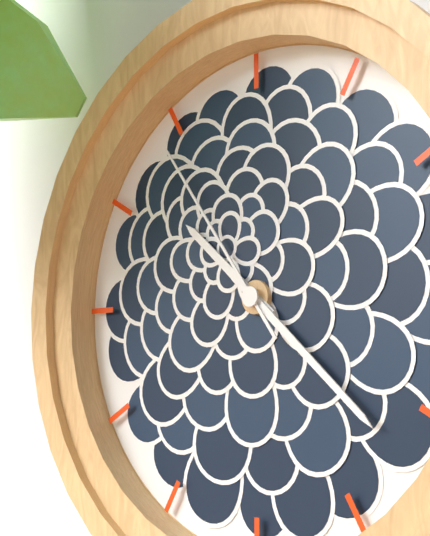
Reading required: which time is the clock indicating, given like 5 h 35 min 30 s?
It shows 10 h 22 min 54 s
